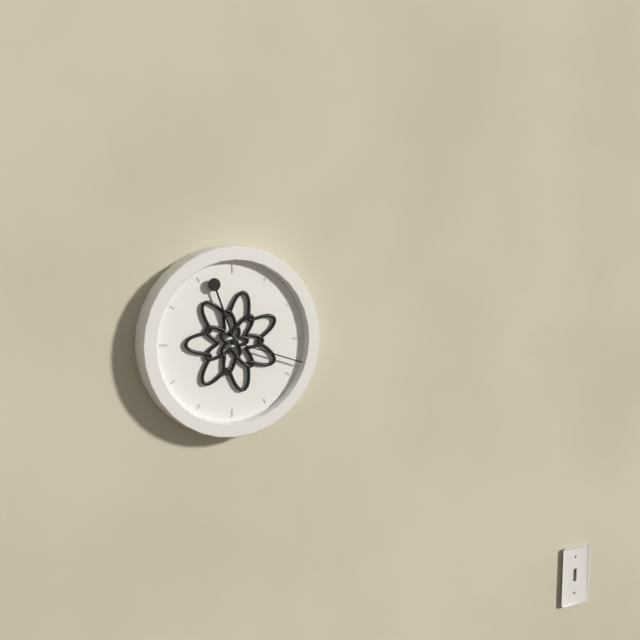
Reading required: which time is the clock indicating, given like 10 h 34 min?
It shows 11 h 18 min
